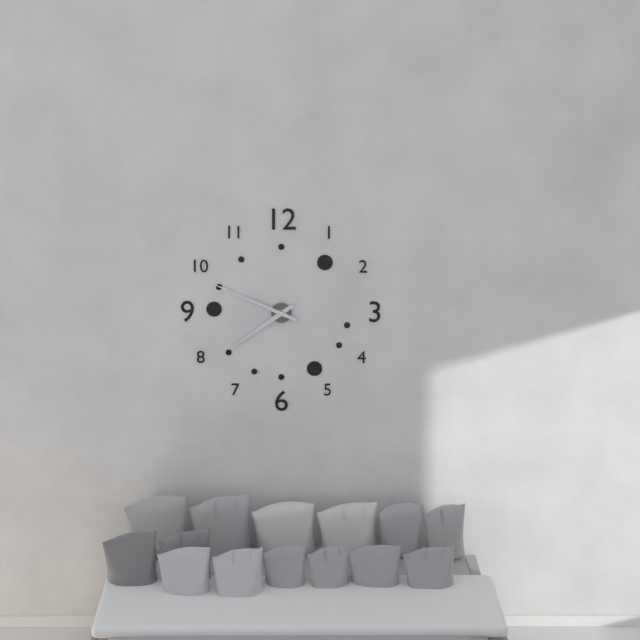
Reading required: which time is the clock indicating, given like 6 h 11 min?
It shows 7 h 49 min
